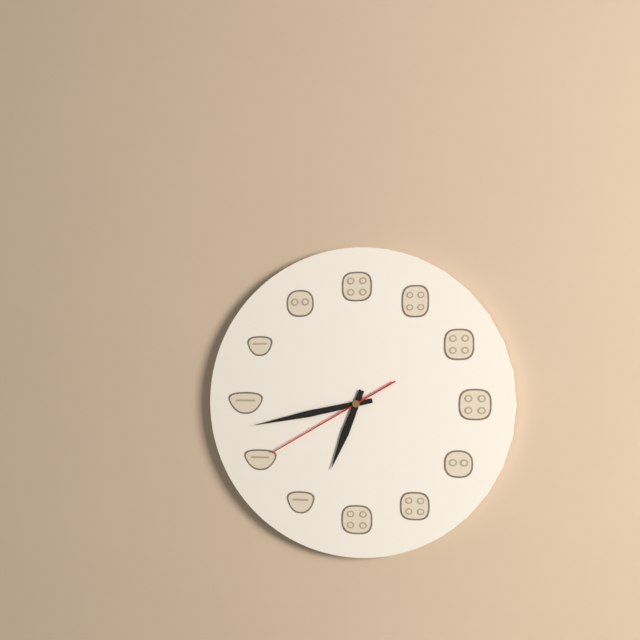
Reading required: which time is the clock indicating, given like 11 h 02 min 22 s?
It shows 6 h 43 min 40 s
